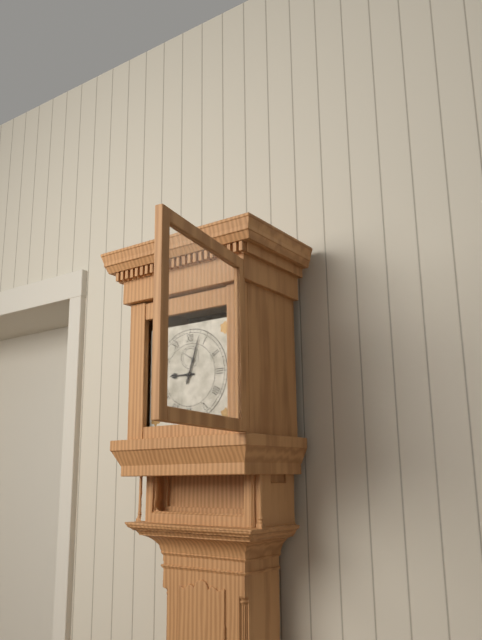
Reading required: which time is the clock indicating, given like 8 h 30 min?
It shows 9 h 03 min
